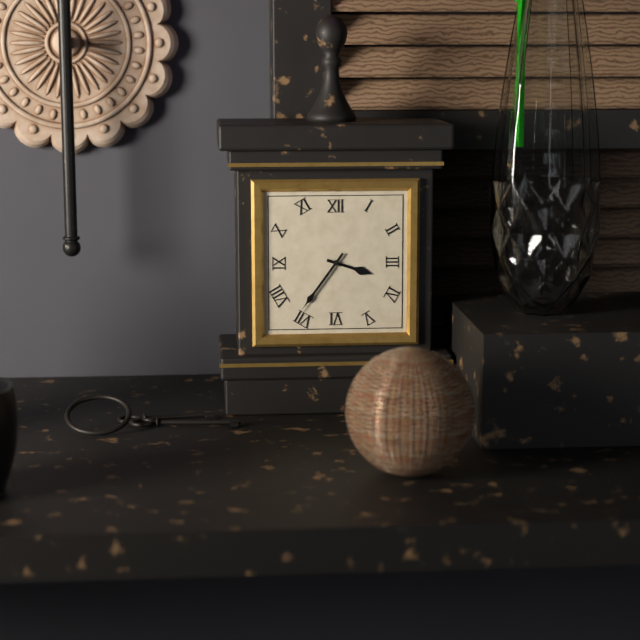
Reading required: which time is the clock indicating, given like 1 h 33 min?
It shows 3 h 36 min
